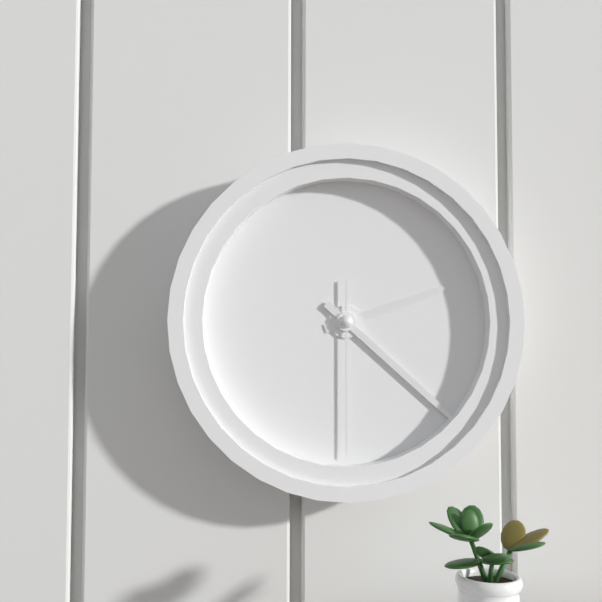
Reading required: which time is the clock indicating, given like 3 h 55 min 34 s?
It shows 2 h 22 min 30 s
